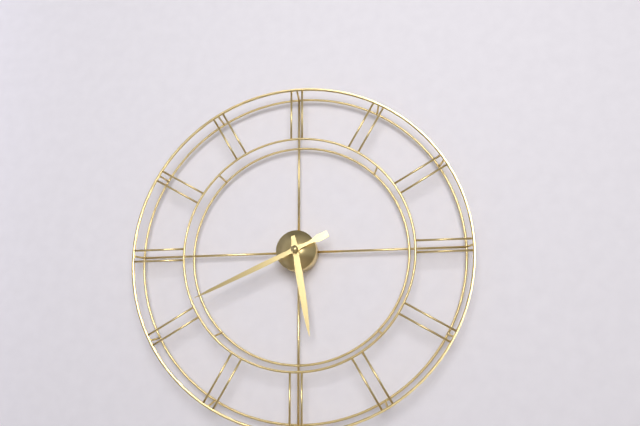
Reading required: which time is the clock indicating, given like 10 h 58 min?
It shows 5 h 41 min
